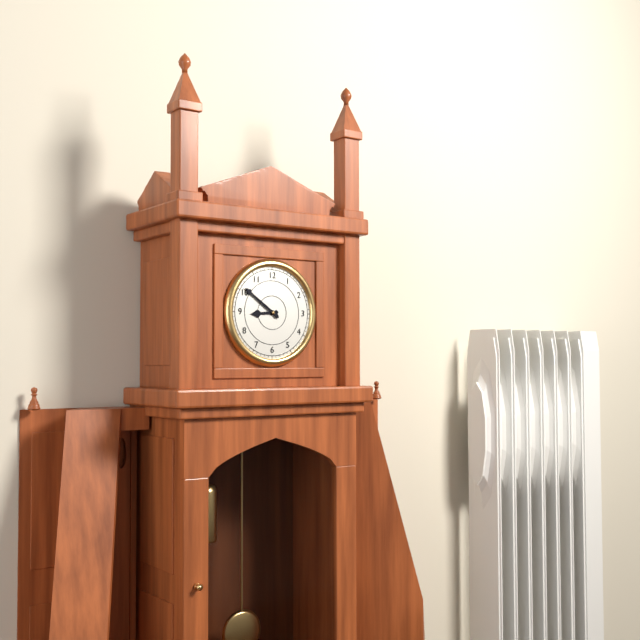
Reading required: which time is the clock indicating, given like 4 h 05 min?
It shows 8 h 51 min
